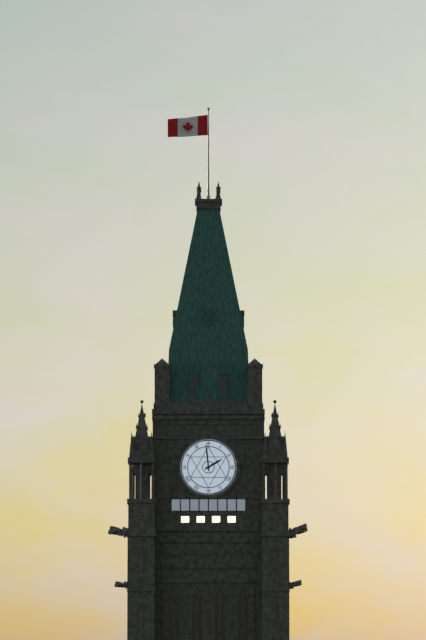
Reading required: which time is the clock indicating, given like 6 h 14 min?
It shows 1 h 59 min
